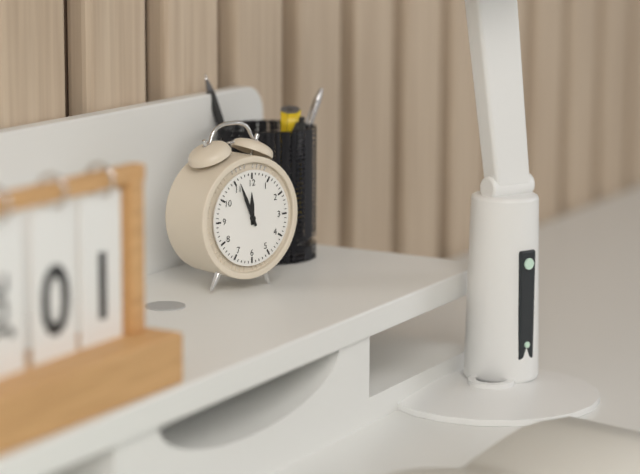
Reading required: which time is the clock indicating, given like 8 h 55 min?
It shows 11 h 56 min
